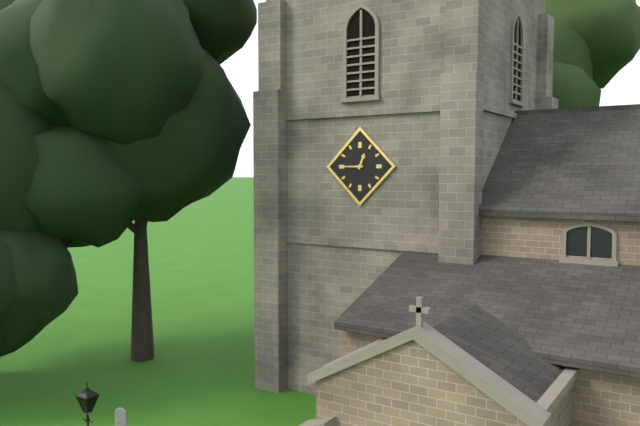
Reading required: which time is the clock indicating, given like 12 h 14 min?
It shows 12 h 45 min
